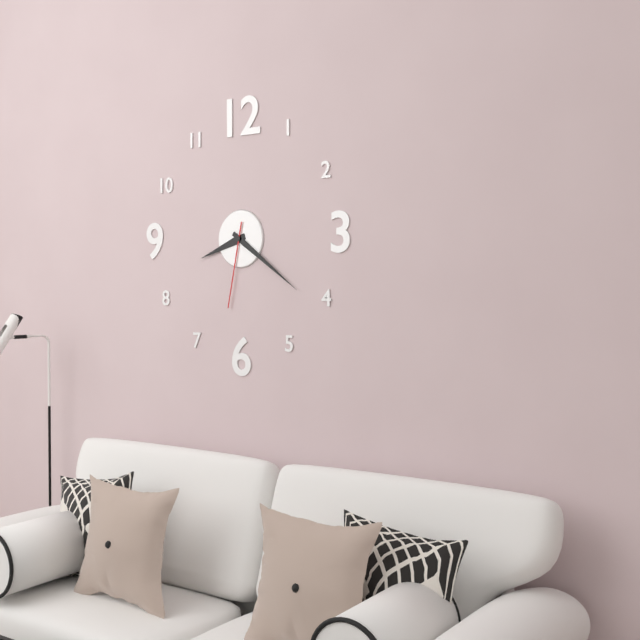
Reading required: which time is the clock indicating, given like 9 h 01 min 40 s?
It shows 8 h 21 min 32 s
